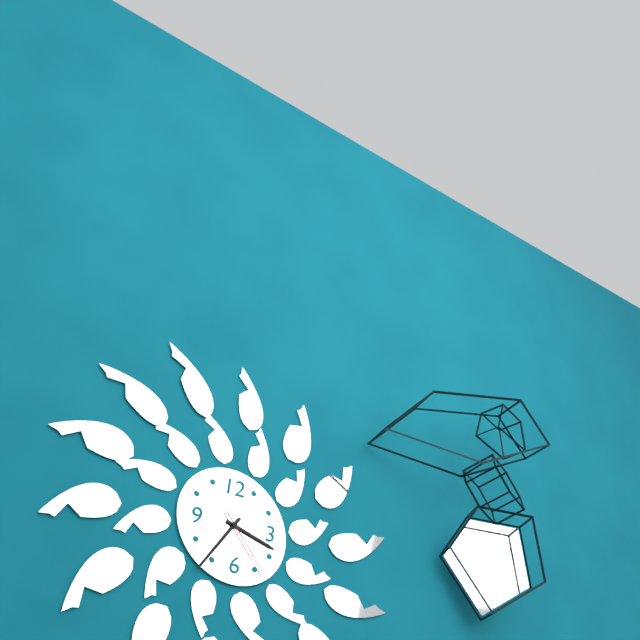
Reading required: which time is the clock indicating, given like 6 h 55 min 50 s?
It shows 3 h 36 min 24 s
